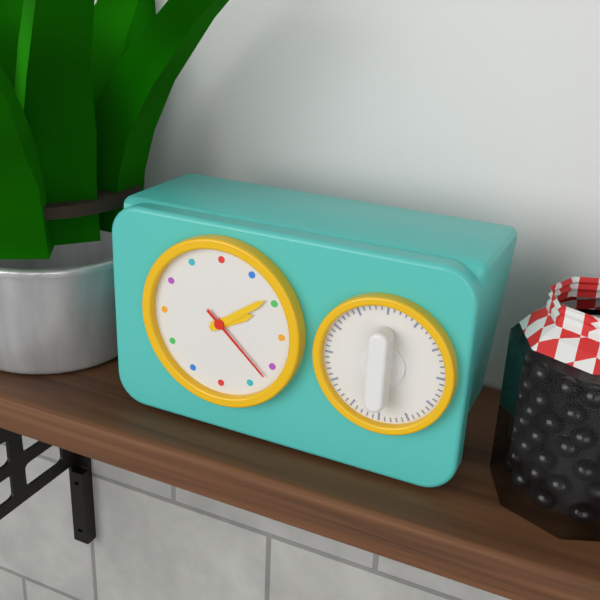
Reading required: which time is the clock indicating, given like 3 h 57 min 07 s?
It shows 2 h 09 min 22 s
